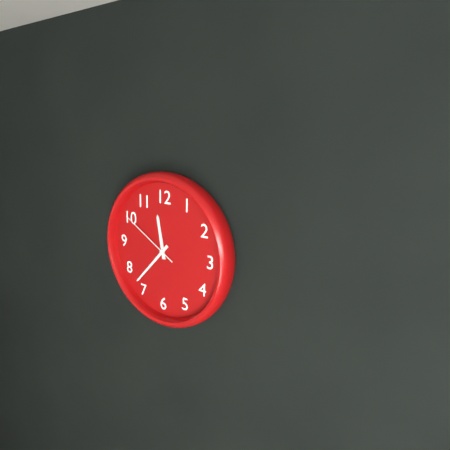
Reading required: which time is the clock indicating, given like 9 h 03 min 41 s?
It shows 11 h 37 min 50 s
